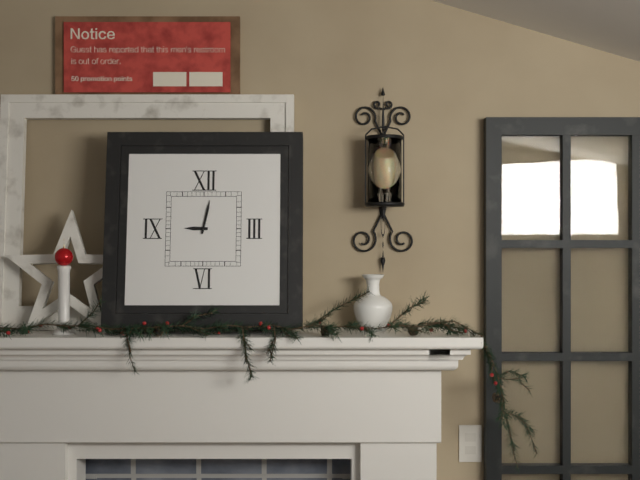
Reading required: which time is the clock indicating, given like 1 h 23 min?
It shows 9 h 02 min
